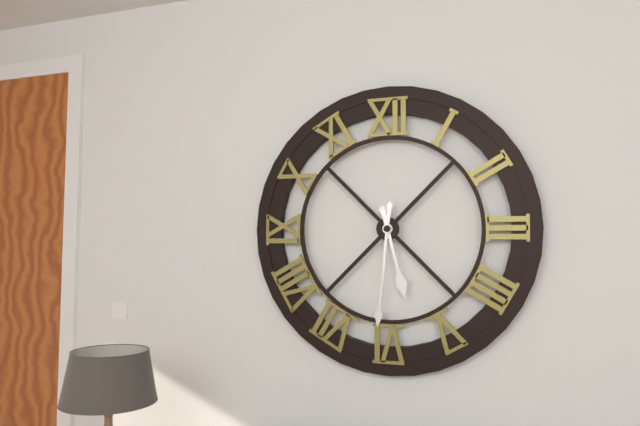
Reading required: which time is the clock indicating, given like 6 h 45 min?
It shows 5 h 31 min
